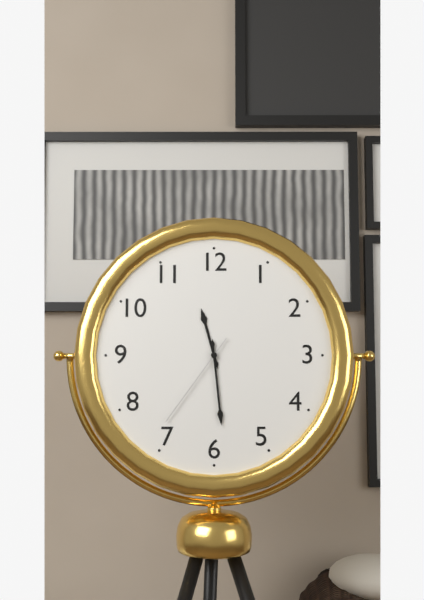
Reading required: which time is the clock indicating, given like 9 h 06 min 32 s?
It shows 11 h 29 min 36 s
